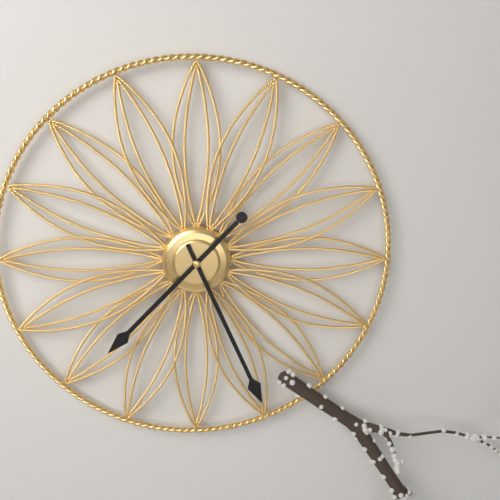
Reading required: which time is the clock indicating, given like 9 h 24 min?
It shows 7 h 26 min
